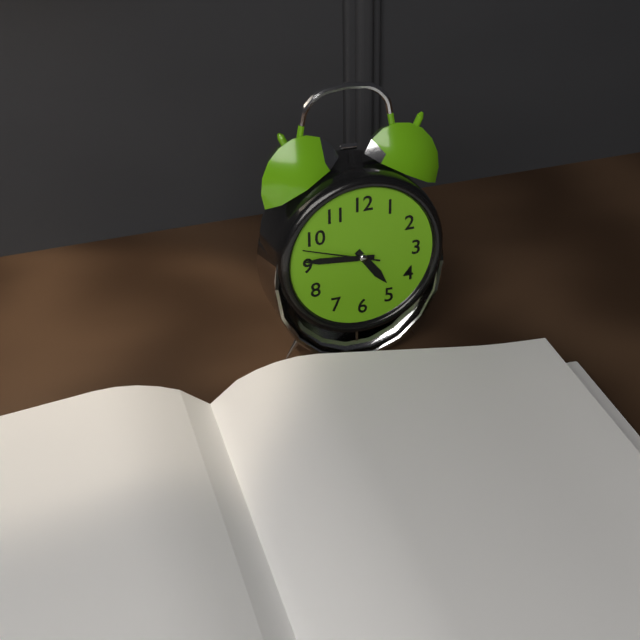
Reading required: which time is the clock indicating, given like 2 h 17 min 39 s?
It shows 4 h 46 min 48 s
